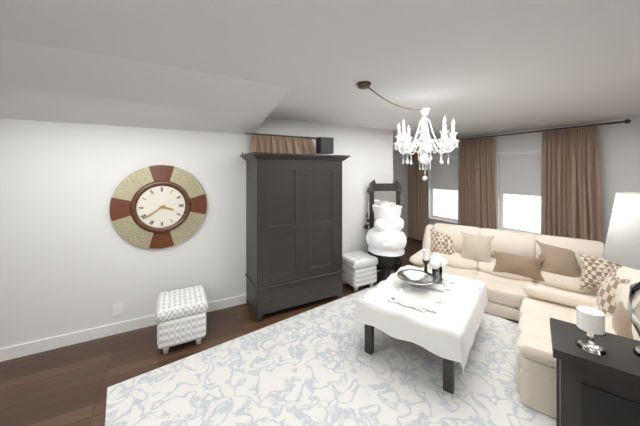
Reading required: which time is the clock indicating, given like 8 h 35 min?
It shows 3 h 39 min
